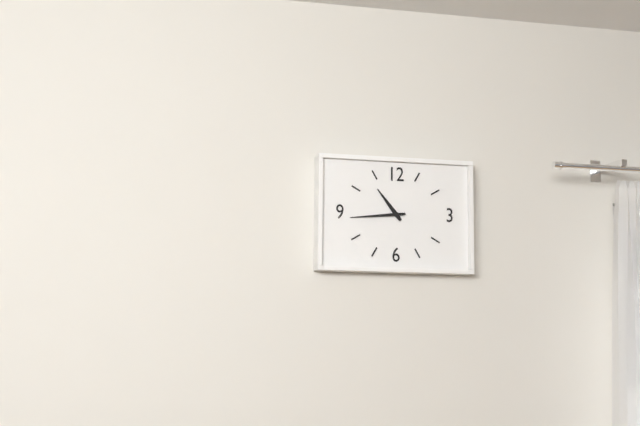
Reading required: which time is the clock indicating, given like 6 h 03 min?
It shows 10 h 44 min
